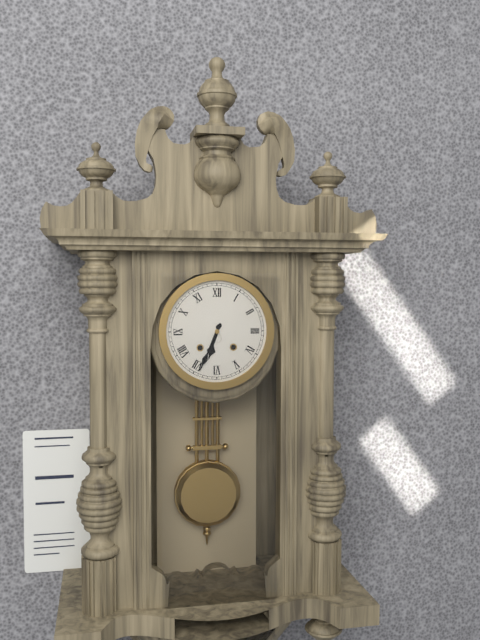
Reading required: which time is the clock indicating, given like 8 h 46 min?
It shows 6 h 34 min
